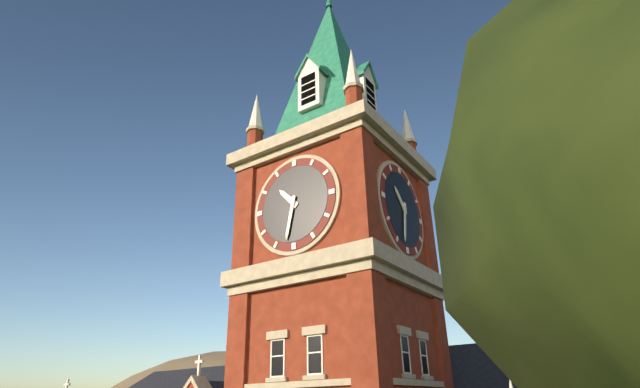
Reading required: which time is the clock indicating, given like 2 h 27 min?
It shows 10 h 32 min
